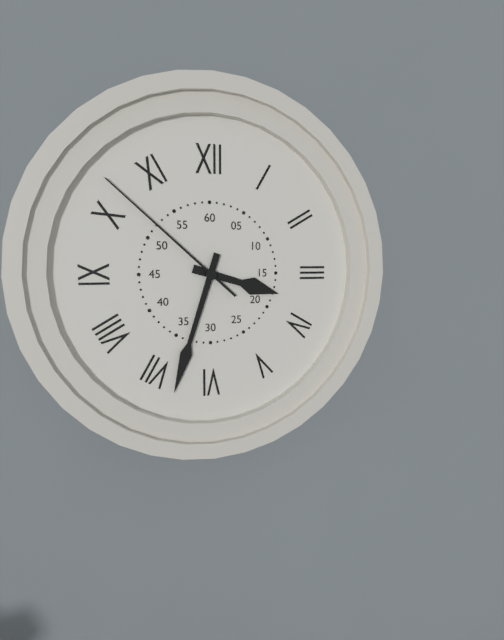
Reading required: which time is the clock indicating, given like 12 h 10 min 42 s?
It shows 3 h 33 min 52 s
